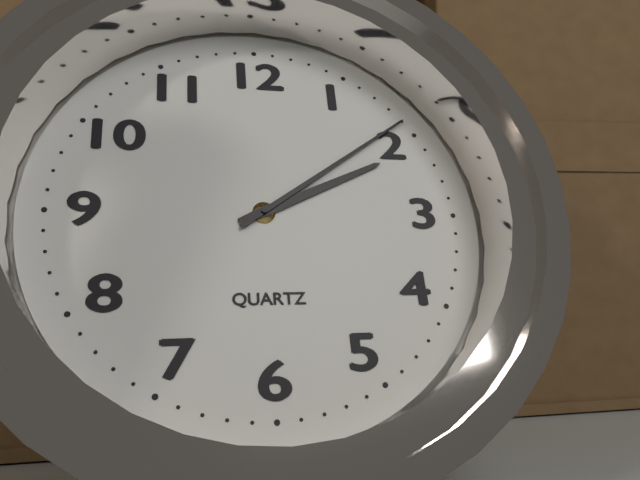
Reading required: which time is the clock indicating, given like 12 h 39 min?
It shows 2 h 09 min
